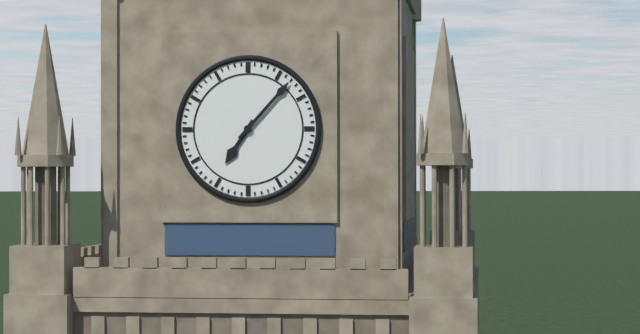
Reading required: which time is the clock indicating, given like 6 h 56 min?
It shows 7 h 07 min
